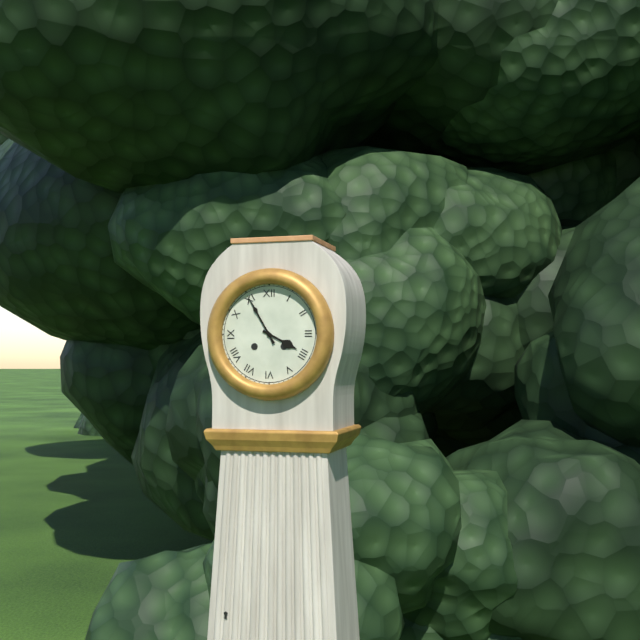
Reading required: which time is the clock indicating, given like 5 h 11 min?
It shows 3 h 55 min
